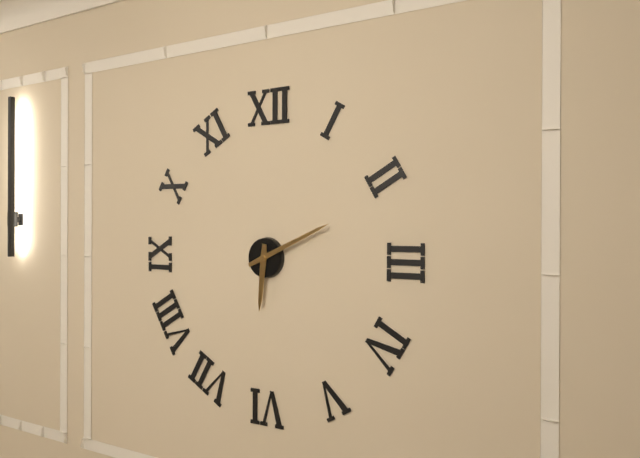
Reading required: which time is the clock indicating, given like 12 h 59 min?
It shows 6 h 11 min
